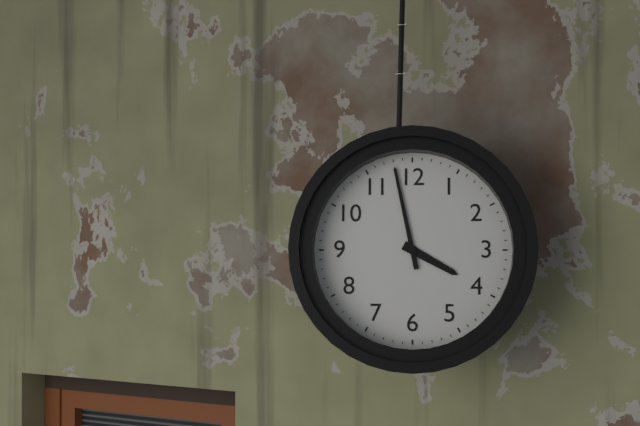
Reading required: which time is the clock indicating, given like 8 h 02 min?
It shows 3 h 58 min
